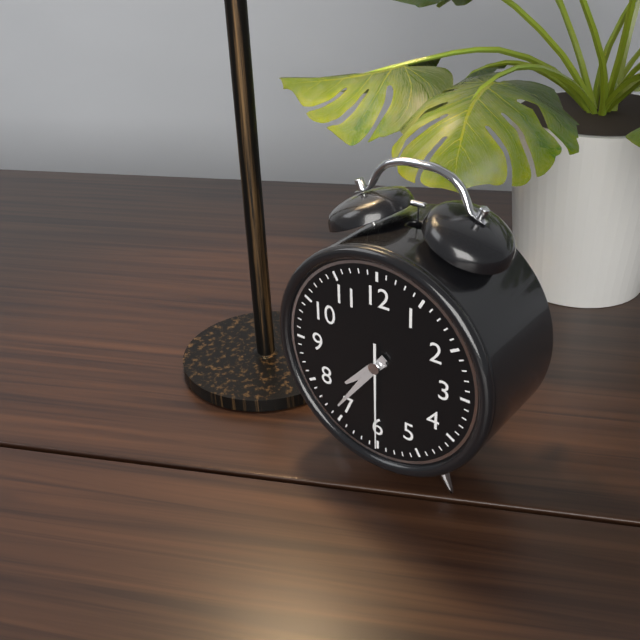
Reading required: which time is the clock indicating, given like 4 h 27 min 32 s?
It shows 7 h 36 min 30 s
